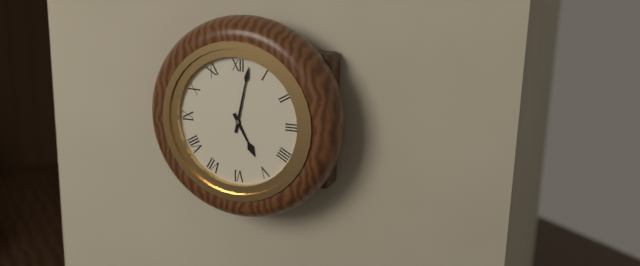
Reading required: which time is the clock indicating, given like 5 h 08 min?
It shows 5 h 02 min
